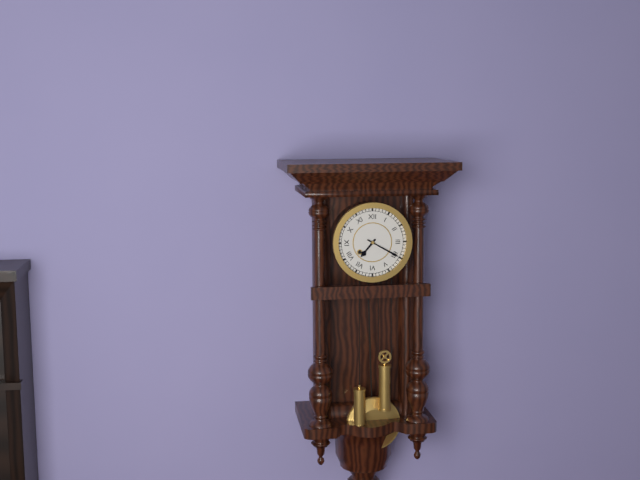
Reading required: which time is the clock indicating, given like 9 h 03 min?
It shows 7 h 20 min
